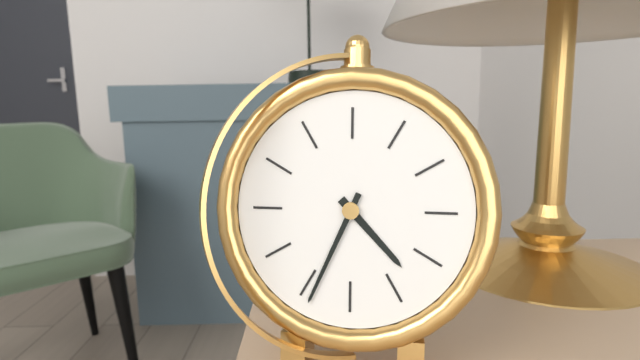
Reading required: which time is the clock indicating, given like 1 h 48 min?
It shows 4 h 34 min
